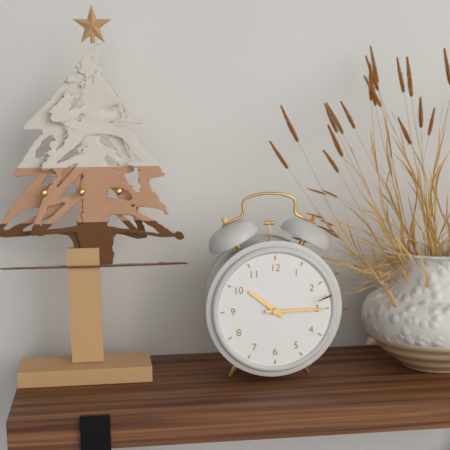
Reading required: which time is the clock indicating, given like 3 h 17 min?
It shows 10 h 15 min
